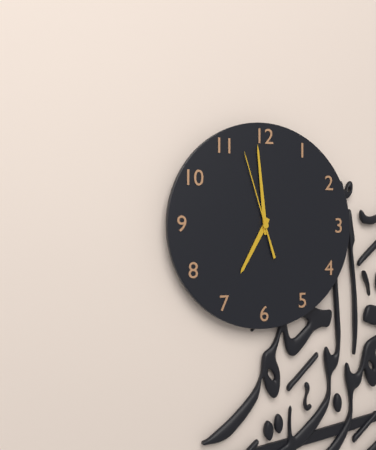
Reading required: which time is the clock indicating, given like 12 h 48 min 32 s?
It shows 6 h 59 min 57 s
